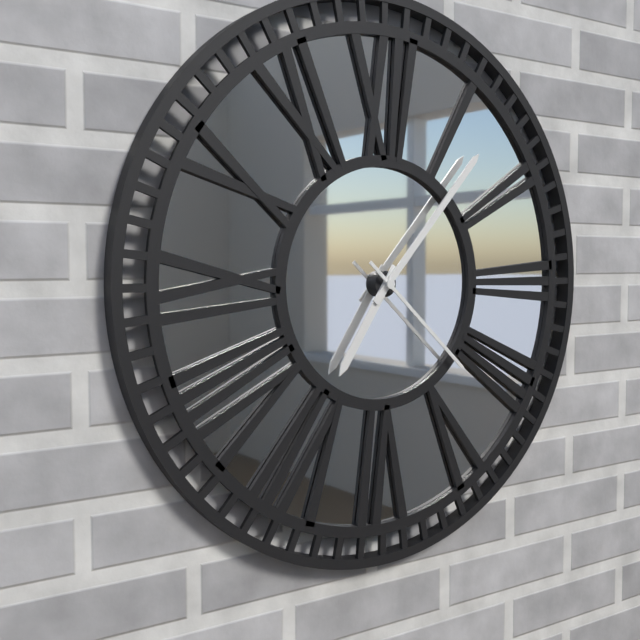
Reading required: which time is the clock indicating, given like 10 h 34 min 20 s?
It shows 7 h 07 min 22 s
